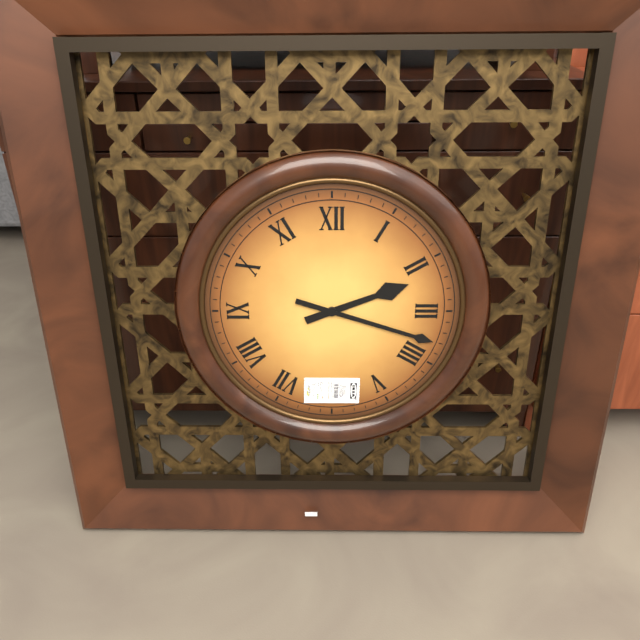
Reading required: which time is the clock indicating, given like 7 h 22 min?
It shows 2 h 18 min
